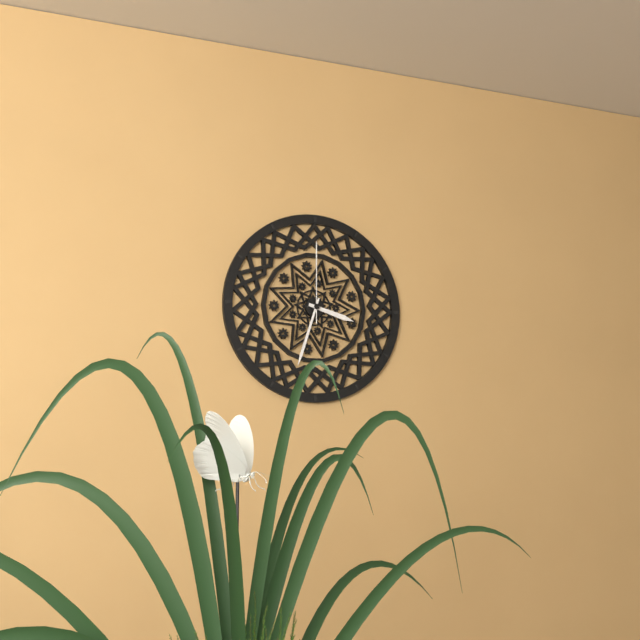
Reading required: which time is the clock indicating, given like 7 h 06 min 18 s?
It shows 3 h 33 min 00 s
